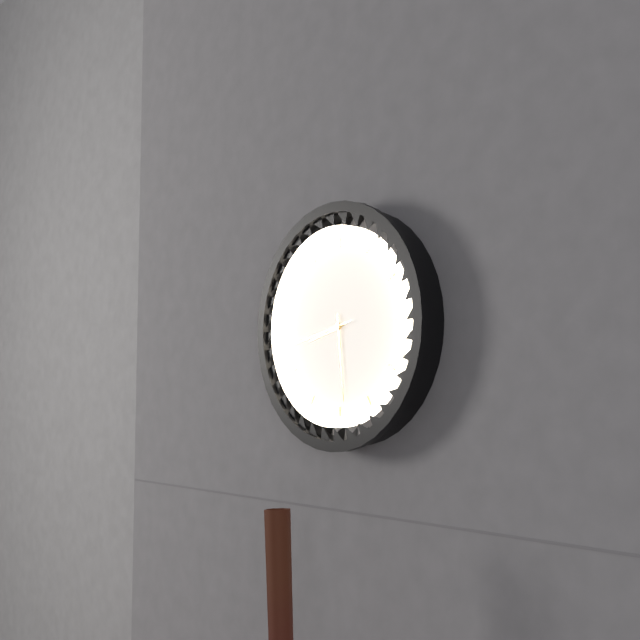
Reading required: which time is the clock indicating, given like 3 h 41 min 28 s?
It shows 8 h 29 min 43 s
